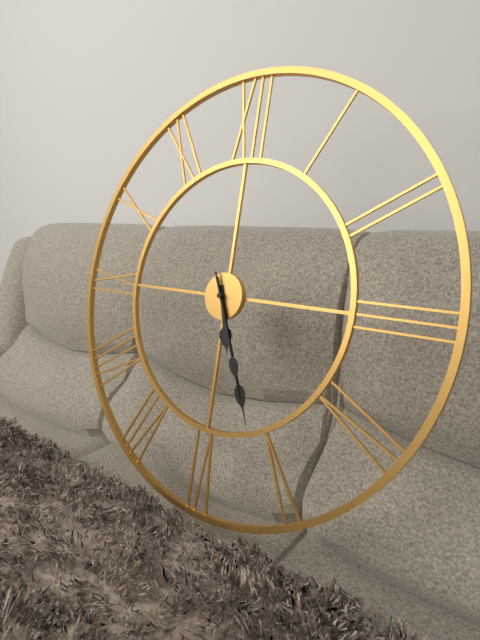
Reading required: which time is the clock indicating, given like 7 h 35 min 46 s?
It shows 5 h 26 min 26 s
